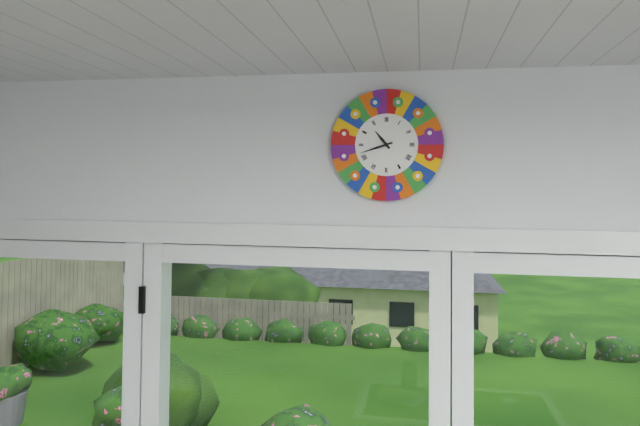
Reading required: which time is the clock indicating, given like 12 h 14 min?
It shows 10 h 42 min
